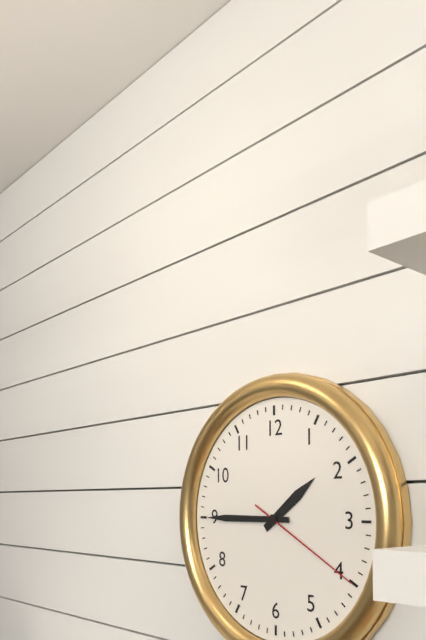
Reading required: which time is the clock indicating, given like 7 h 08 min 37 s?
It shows 1 h 45 min 20 s
